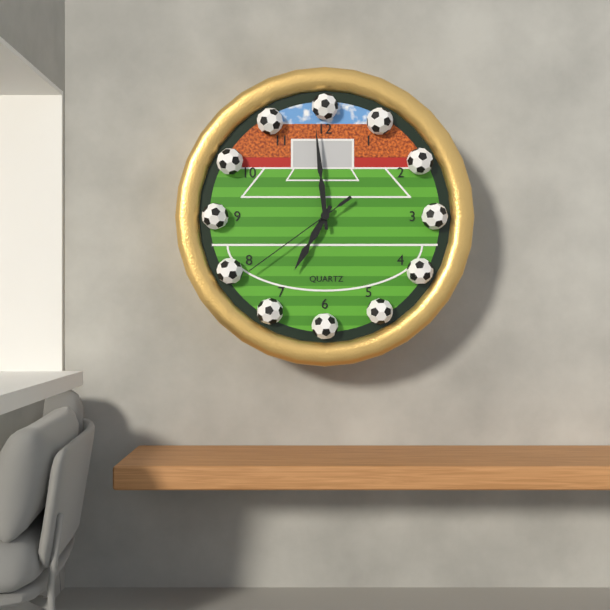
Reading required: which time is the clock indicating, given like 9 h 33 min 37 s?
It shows 6 h 59 min 39 s
